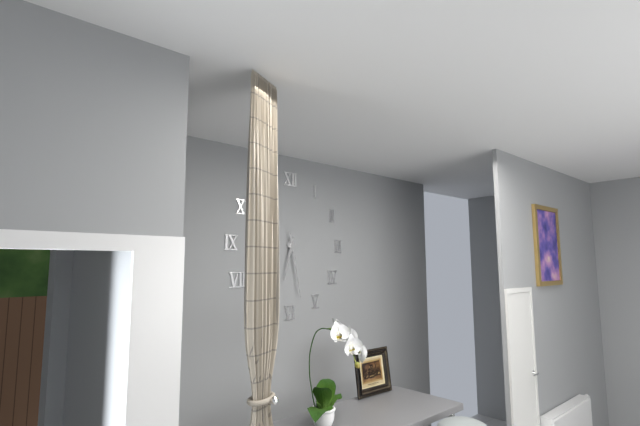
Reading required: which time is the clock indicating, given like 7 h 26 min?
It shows 6 h 28 min
